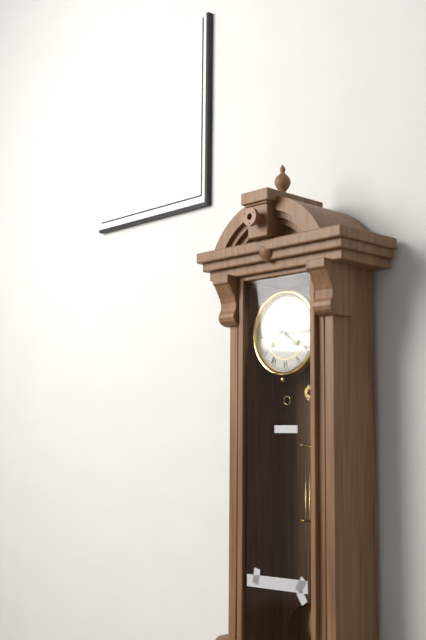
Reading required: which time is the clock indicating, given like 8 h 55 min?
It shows 4 h 15 min
